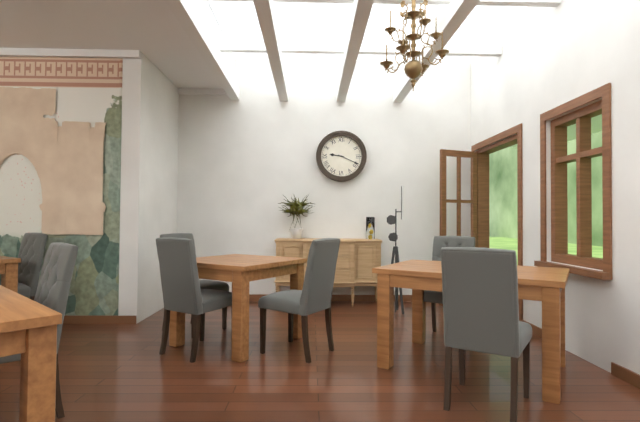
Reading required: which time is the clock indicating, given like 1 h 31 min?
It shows 9 h 19 min
